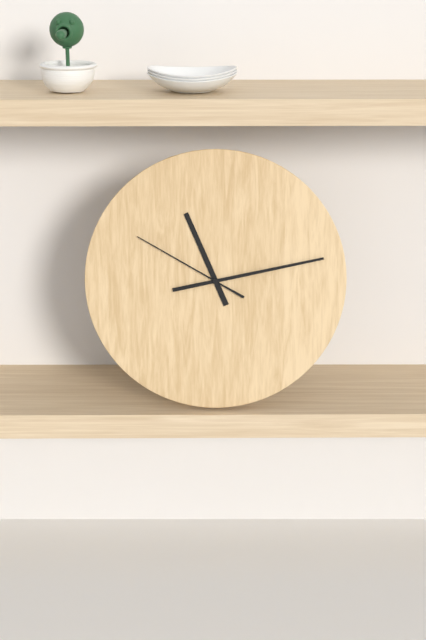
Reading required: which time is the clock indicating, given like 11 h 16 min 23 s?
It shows 11 h 13 min 50 s
